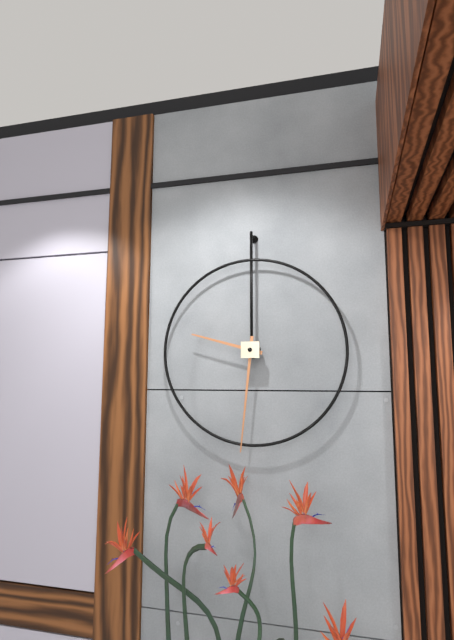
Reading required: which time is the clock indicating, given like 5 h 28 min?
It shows 9 h 31 min
